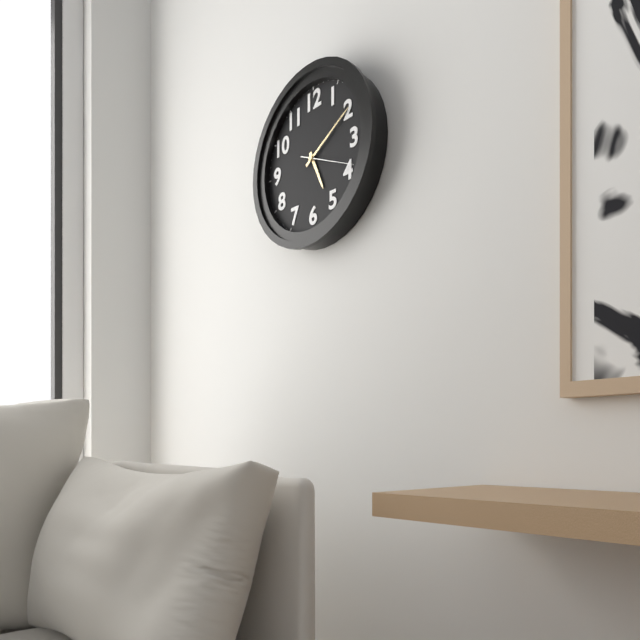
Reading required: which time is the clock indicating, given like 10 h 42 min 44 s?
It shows 5 h 10 min 19 s
